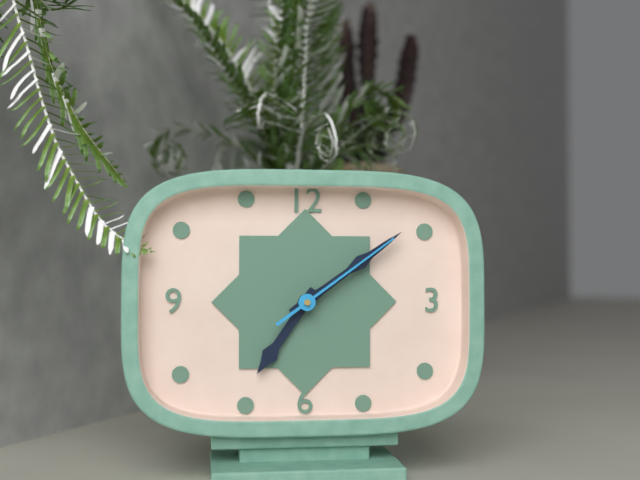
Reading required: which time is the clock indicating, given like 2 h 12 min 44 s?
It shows 7 h 09 min 09 s
